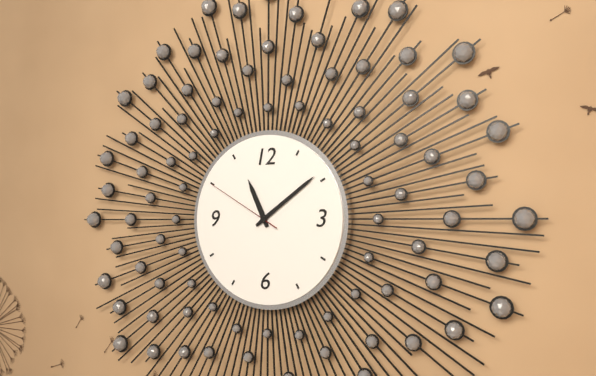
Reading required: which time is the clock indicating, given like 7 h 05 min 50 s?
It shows 11 h 09 min 50 s
